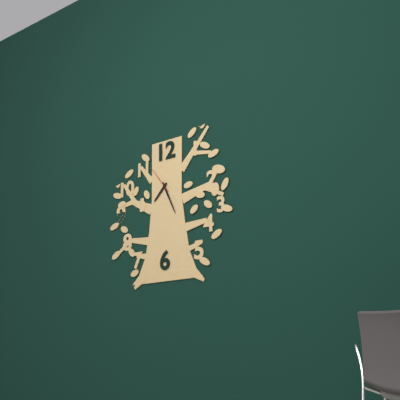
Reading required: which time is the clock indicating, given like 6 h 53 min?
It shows 7 h 26 min
